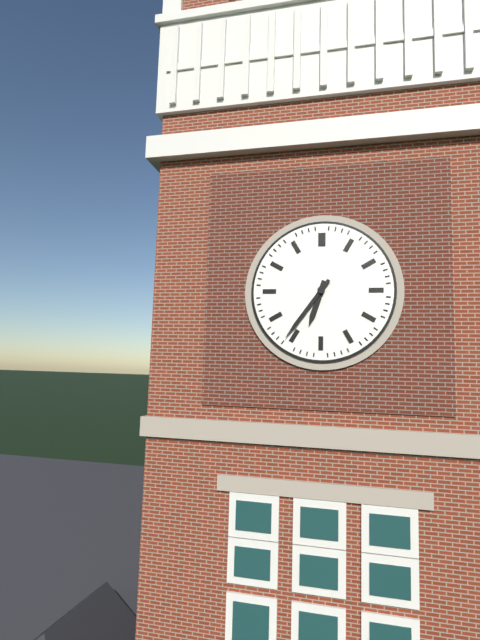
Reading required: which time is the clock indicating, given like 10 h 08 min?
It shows 6 h 36 min
